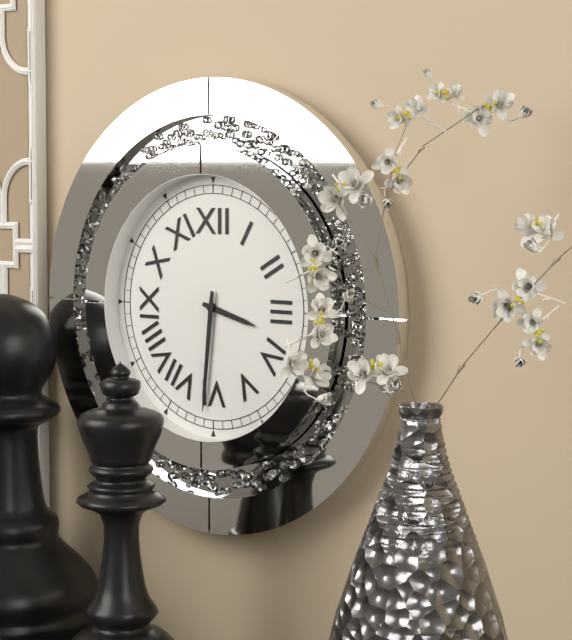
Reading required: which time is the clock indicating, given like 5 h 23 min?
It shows 3 h 31 min
